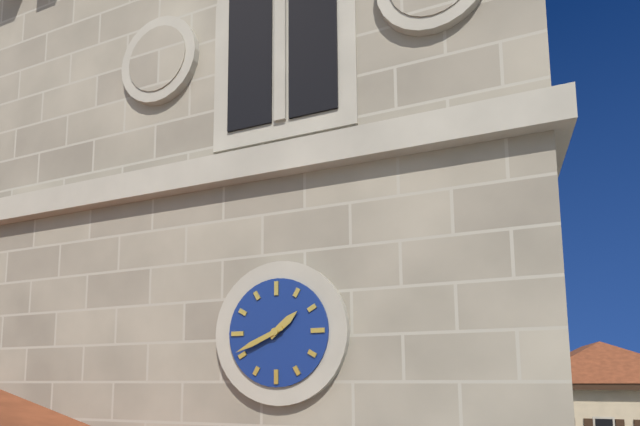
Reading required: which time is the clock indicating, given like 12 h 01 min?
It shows 1 h 41 min
